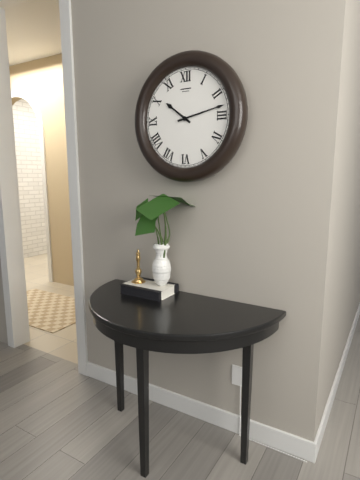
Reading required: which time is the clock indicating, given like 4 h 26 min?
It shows 10 h 13 min
